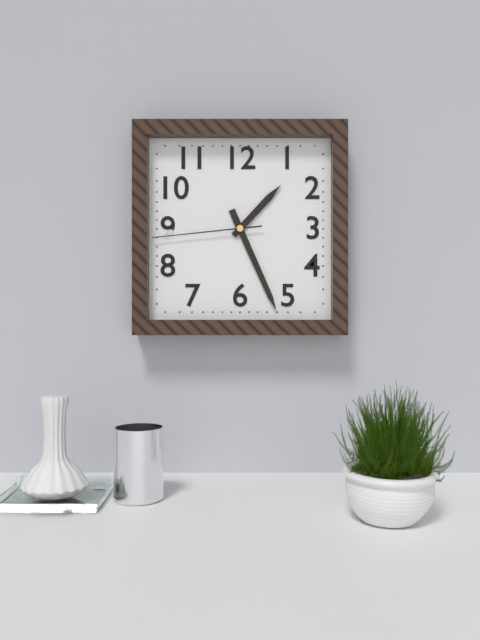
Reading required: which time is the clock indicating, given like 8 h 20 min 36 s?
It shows 1 h 26 min 44 s
